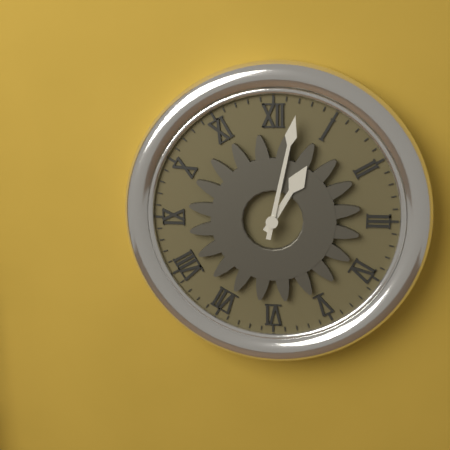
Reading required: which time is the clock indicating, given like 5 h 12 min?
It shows 1 h 02 min
